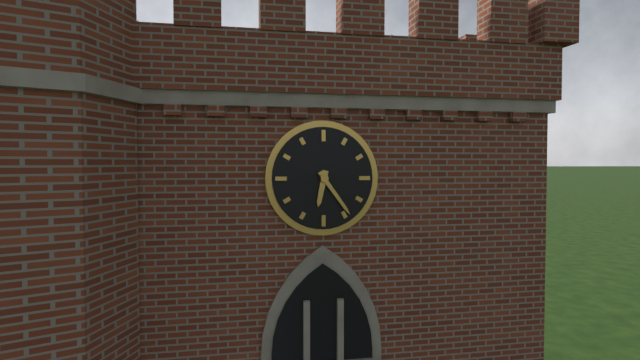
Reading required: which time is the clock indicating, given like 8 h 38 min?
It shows 6 h 24 min
